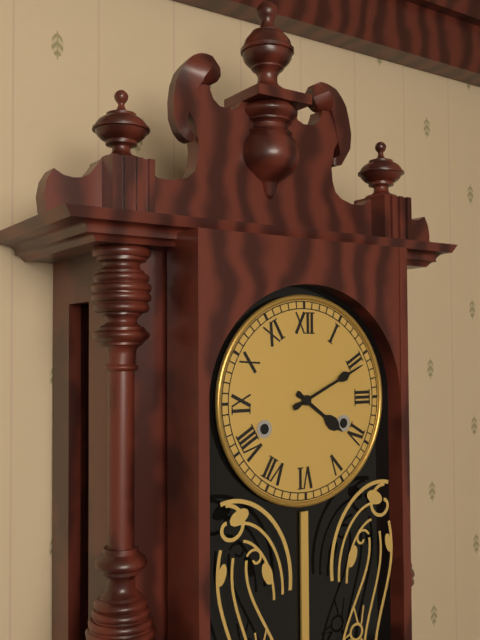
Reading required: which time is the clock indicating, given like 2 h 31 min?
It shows 4 h 11 min
